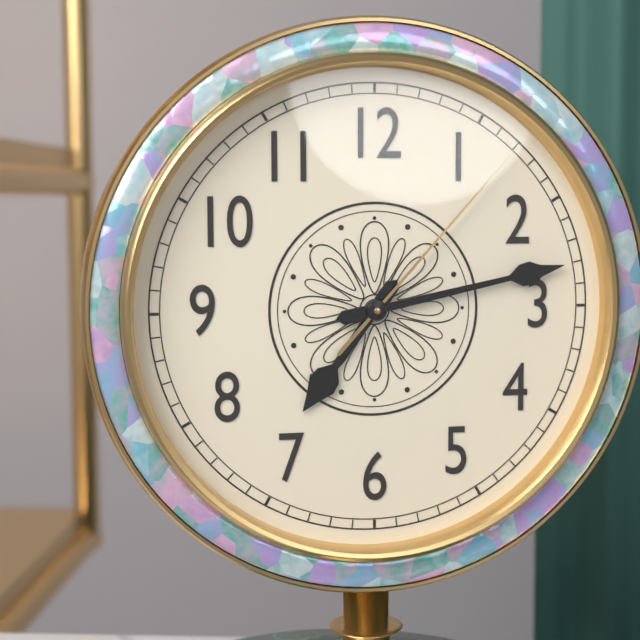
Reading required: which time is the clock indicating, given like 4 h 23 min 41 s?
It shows 7 h 13 min 07 s
